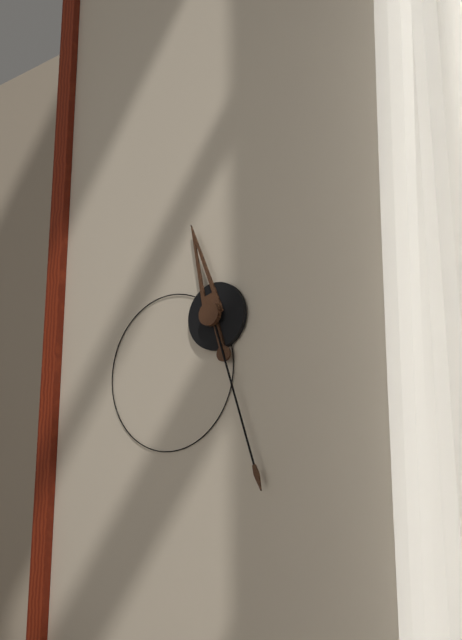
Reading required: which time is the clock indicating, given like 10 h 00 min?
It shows 11 h 27 min
